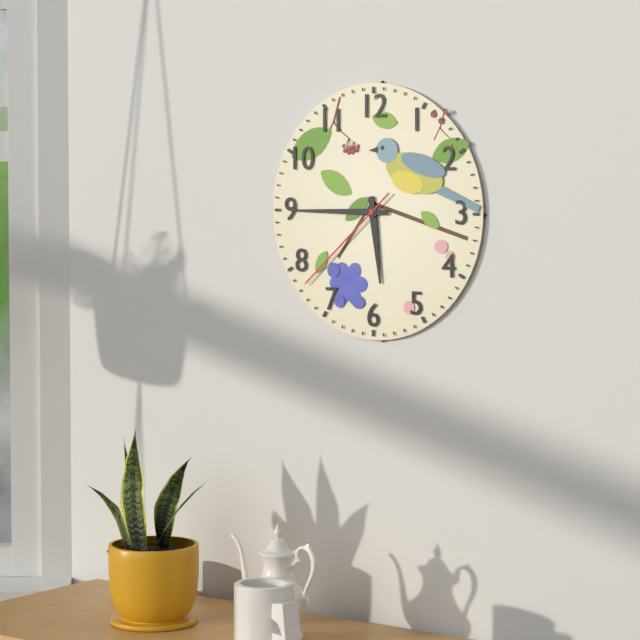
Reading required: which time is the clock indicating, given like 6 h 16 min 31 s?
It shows 5 h 45 min 38 s
